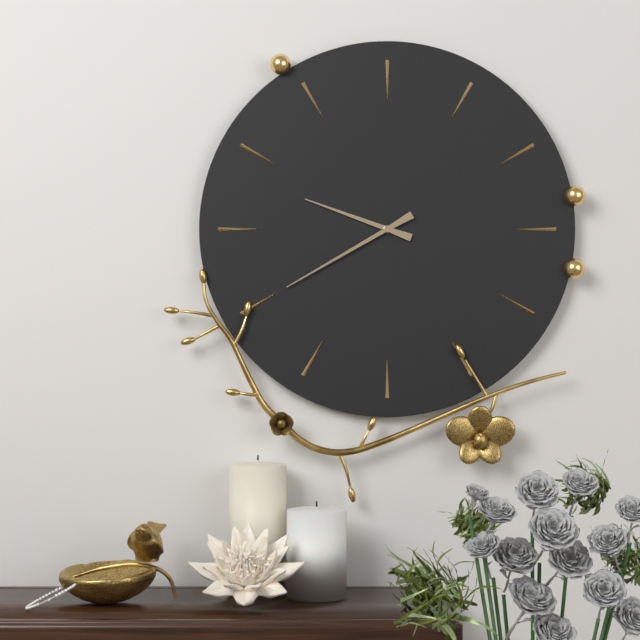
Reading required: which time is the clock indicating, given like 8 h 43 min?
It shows 9 h 40 min
